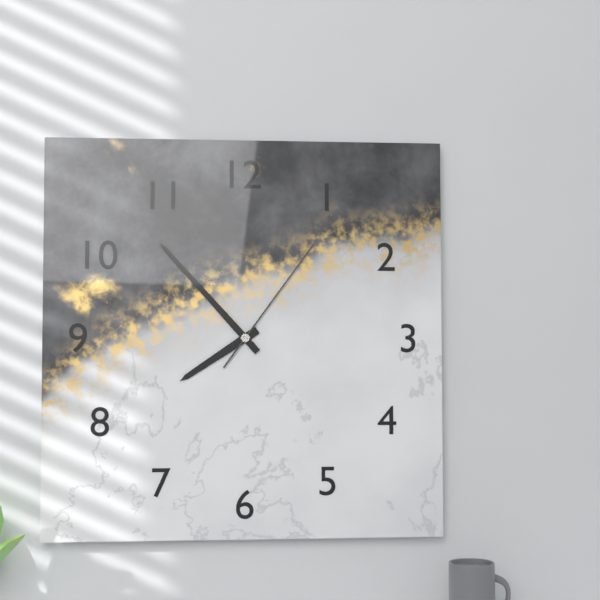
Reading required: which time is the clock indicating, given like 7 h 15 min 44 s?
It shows 7 h 53 min 06 s
